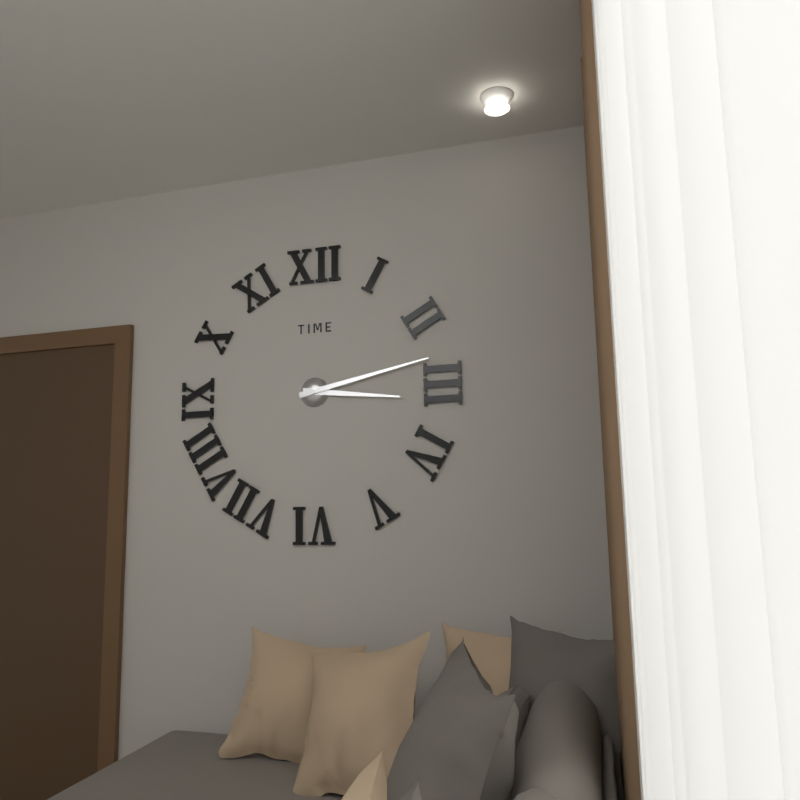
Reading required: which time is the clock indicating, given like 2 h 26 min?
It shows 3 h 13 min
